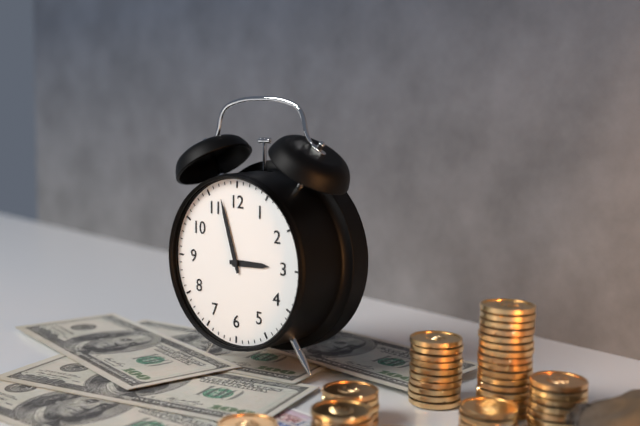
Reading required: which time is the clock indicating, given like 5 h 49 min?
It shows 2 h 57 min
